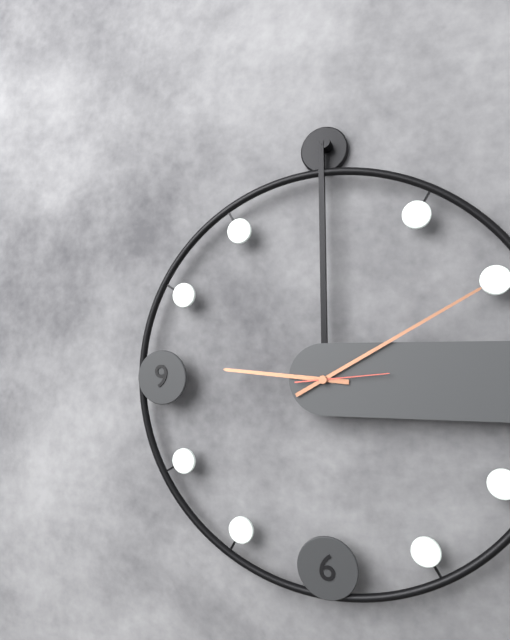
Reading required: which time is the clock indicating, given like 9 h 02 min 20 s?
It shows 9 h 10 min 14 s
